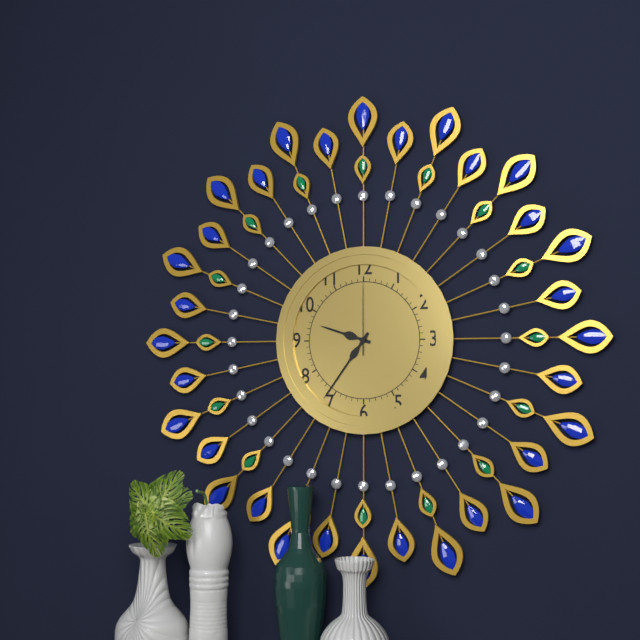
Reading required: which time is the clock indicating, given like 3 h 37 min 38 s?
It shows 9 h 36 min 00 s
